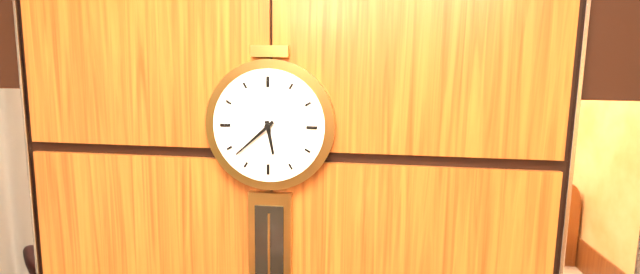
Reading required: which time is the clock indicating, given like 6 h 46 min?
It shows 5 h 38 min
